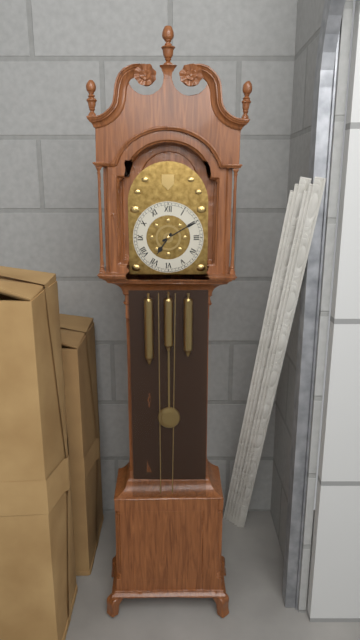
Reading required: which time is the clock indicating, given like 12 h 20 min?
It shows 7 h 10 min
